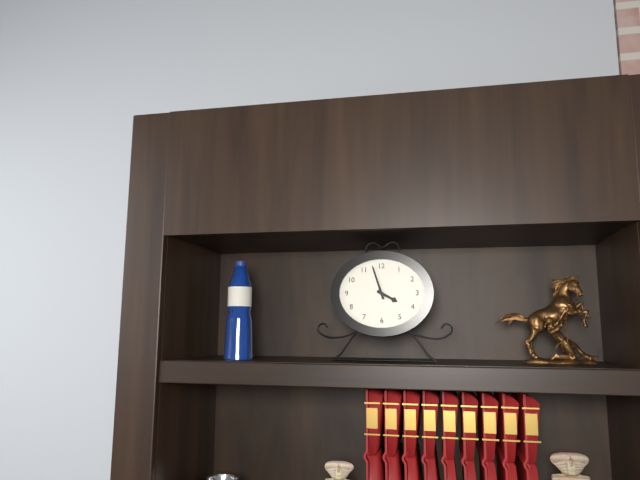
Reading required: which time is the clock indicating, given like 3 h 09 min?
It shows 3 h 57 min
